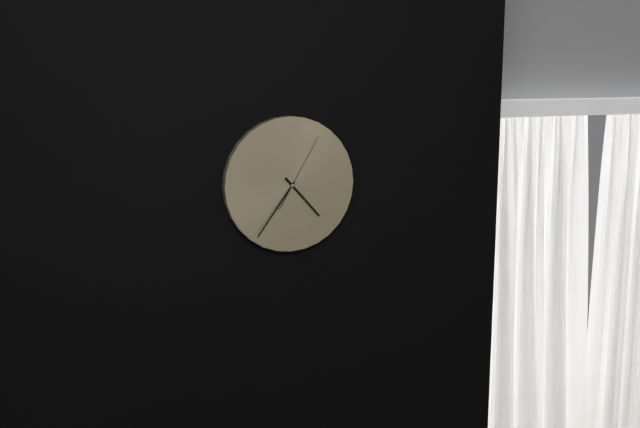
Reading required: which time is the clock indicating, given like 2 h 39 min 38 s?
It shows 4 h 36 min 05 s
